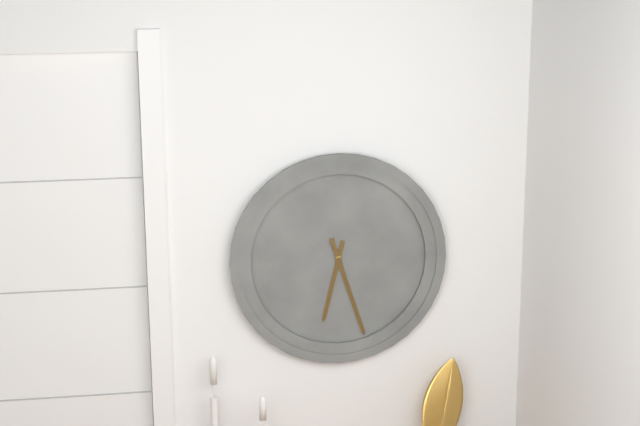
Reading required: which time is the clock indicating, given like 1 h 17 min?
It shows 6 h 27 min
